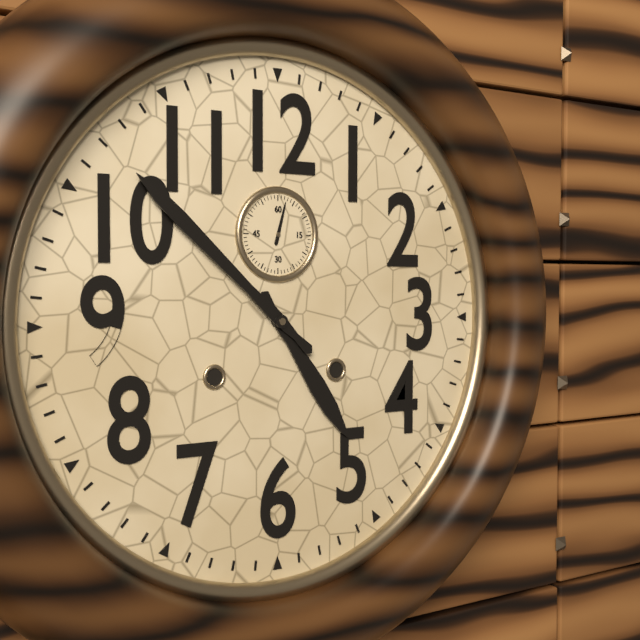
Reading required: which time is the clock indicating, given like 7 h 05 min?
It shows 4 h 52 min
